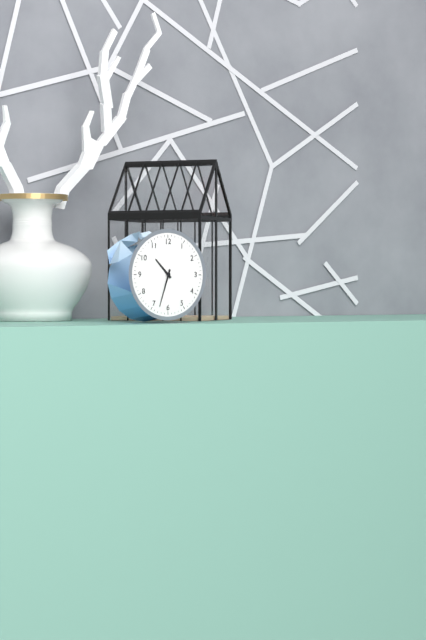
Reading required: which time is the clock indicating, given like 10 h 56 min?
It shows 10 h 33 min
